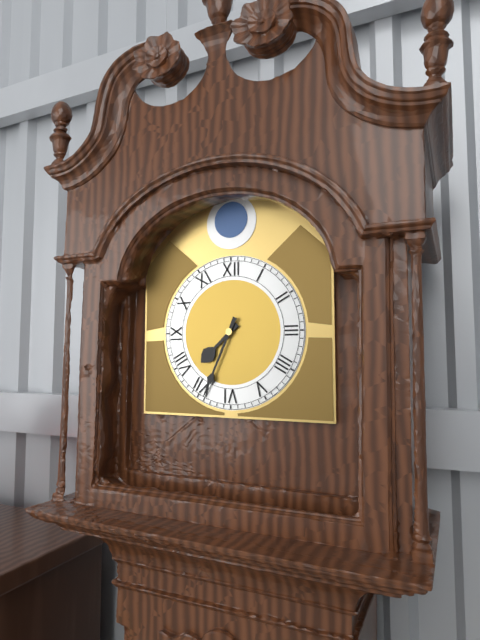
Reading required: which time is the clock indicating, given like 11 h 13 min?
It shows 7 h 34 min
